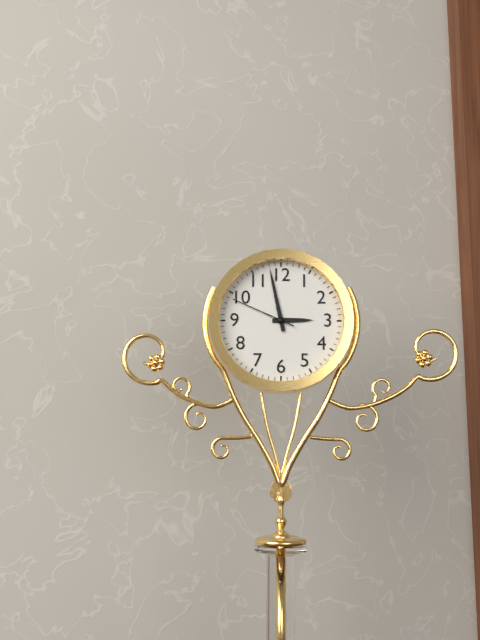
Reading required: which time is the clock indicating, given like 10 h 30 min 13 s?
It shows 2 h 58 min 49 s
